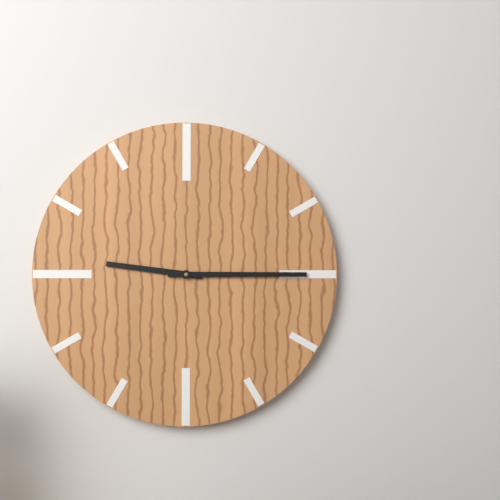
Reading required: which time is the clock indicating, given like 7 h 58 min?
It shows 9 h 15 min
